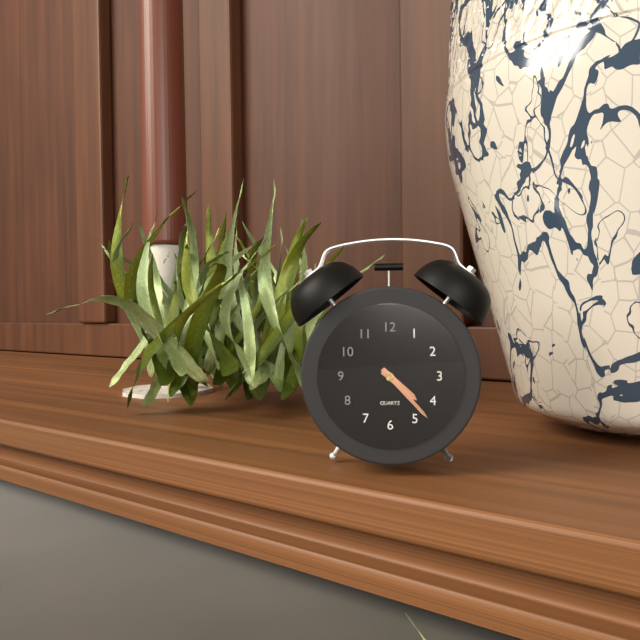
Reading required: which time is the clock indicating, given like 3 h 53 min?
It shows 4 h 23 min
